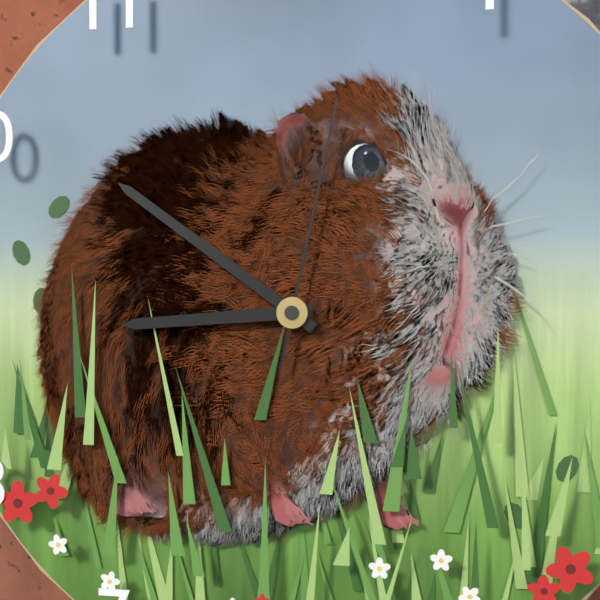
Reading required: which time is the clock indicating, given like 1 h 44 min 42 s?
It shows 8 h 51 min 02 s
